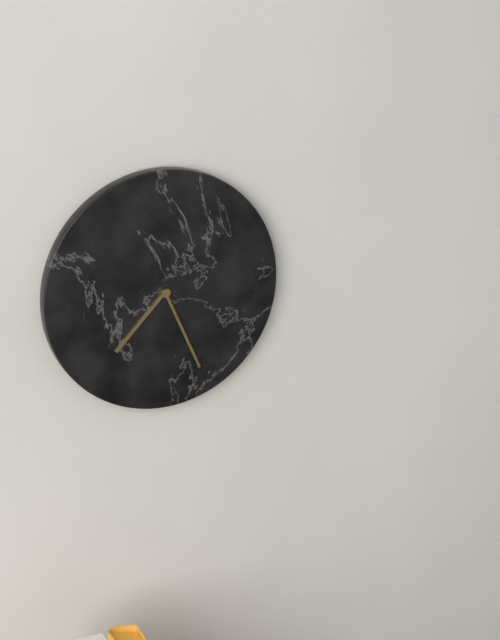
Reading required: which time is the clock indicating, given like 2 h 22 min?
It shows 7 h 26 min
